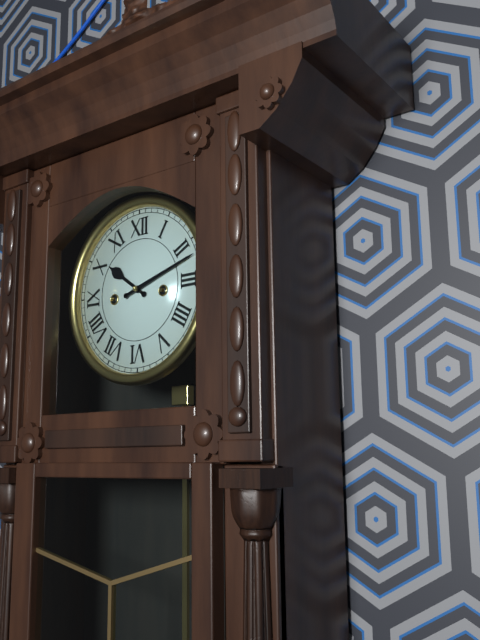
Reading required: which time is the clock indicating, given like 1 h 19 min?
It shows 10 h 12 min
